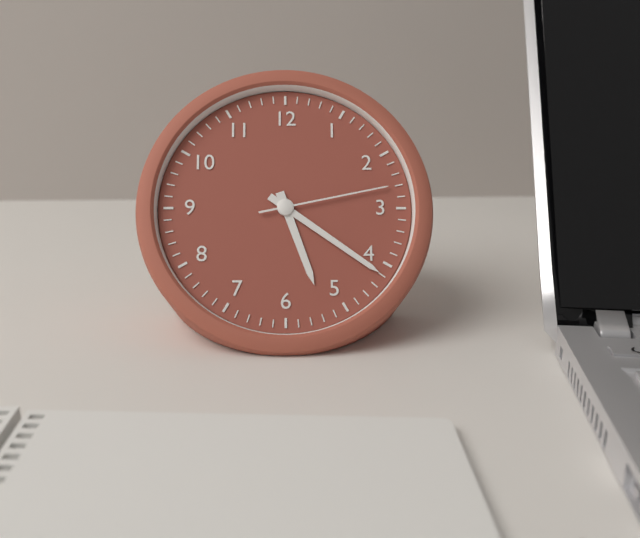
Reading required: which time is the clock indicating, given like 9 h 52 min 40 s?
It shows 5 h 21 min 13 s
